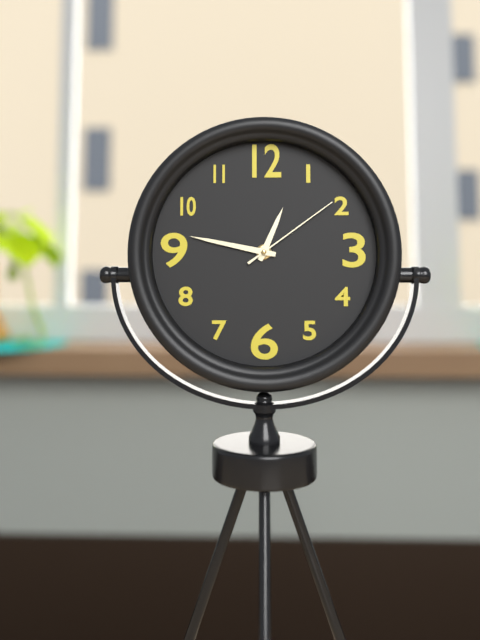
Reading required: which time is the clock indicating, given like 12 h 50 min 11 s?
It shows 12 h 47 min 09 s
